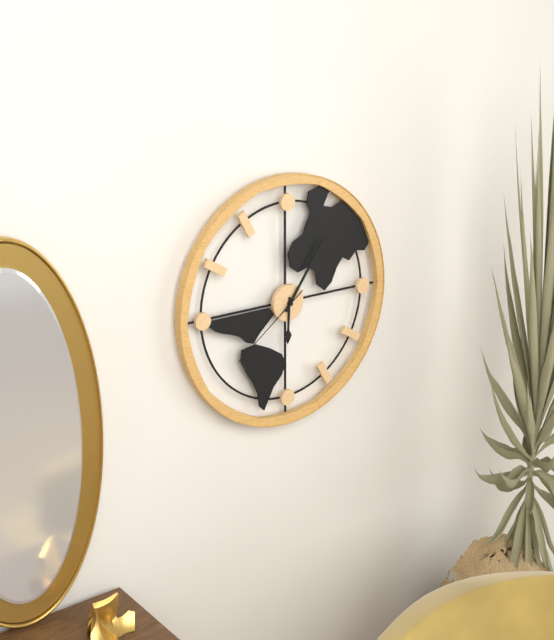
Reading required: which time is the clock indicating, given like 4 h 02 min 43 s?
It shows 6 h 06 min 39 s
